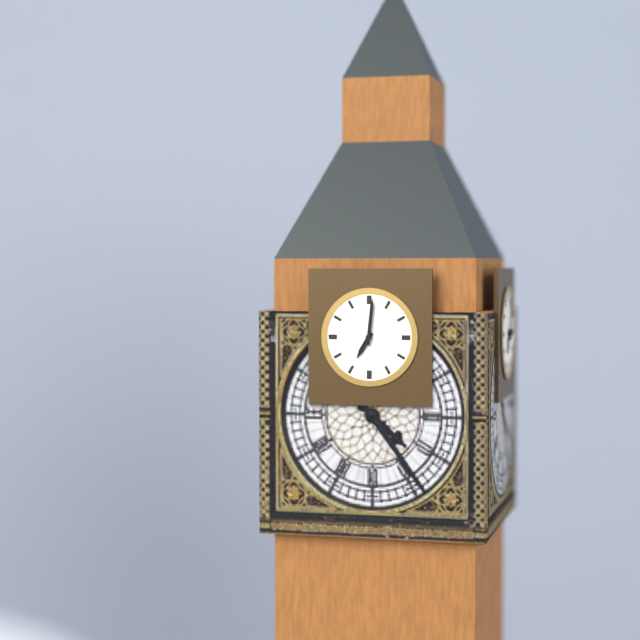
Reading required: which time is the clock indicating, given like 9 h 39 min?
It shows 7 h 01 min
